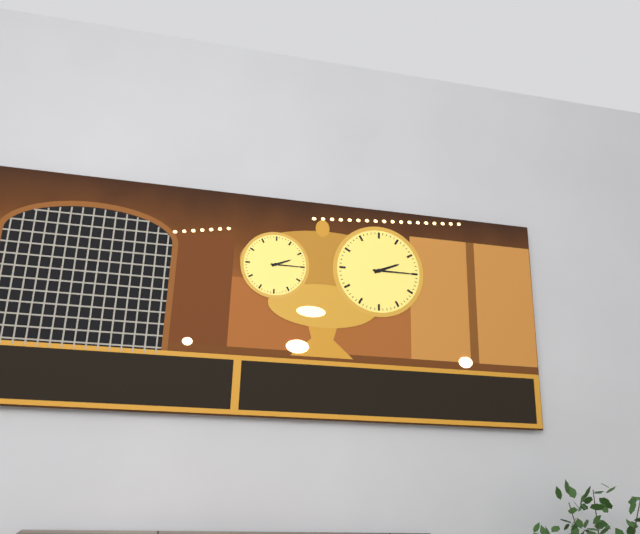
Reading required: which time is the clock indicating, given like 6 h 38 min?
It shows 2 h 15 min
